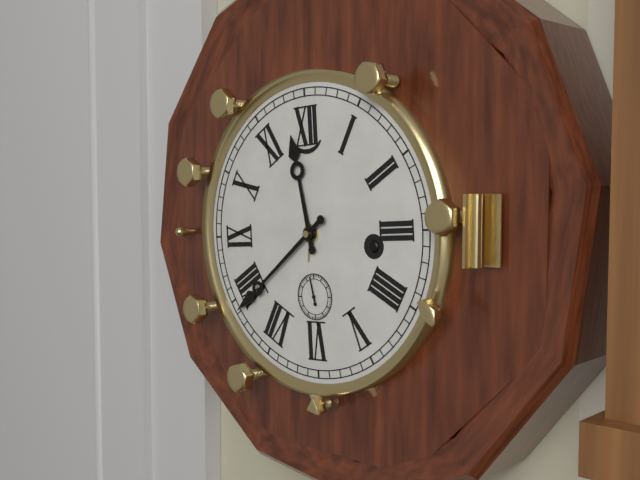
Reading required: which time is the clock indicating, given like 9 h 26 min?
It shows 11 h 39 min
